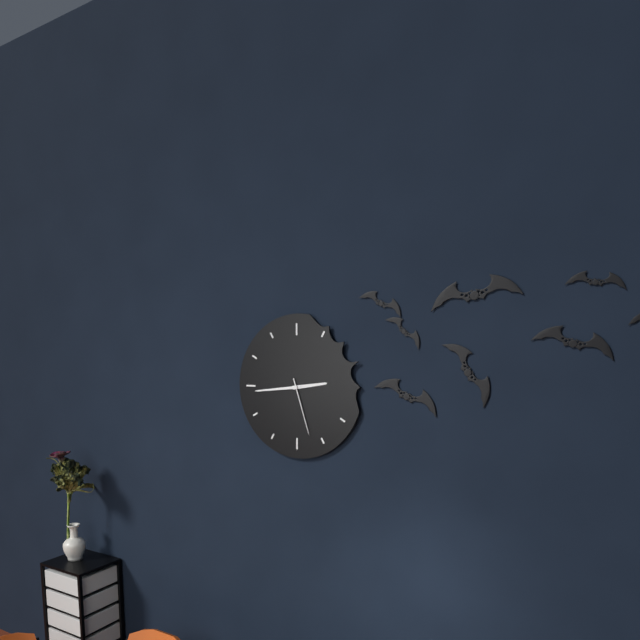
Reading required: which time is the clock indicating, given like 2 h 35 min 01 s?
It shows 2 h 44 min 27 s
